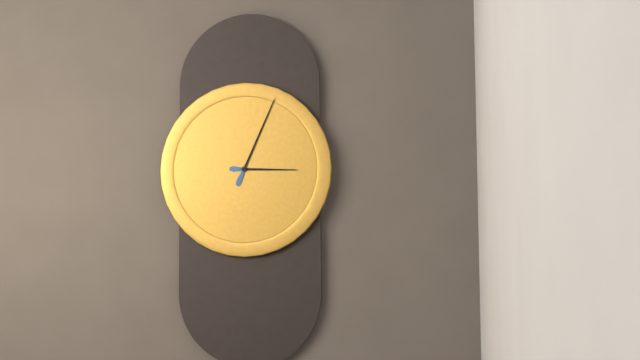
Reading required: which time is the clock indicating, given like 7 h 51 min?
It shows 3 h 04 min
